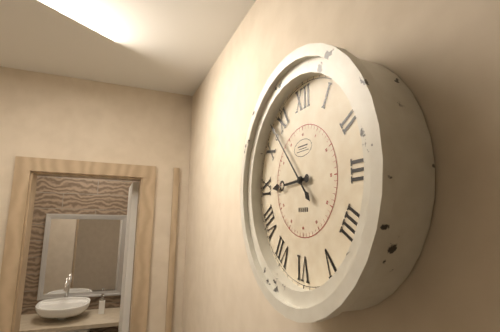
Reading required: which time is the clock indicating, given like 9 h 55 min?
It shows 8 h 53 min
